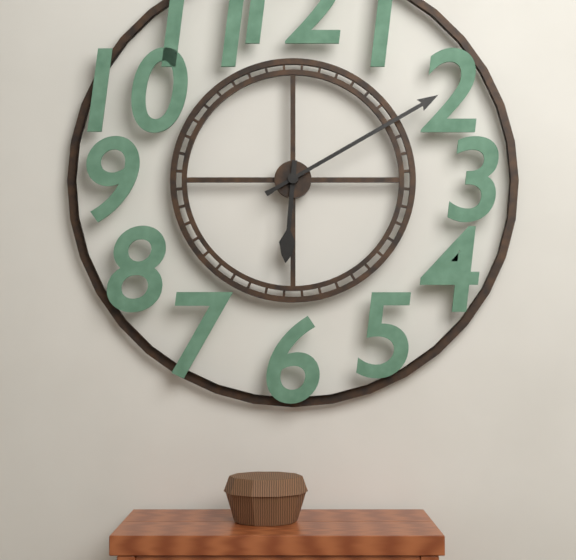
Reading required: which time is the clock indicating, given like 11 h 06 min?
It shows 6 h 10 min
